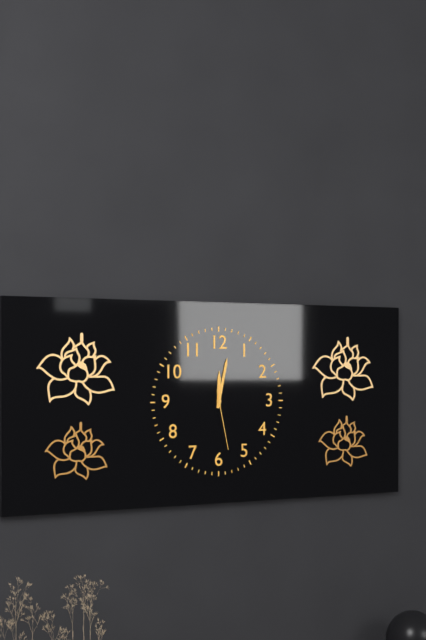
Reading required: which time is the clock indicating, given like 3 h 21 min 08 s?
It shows 12 h 02 min 28 s
